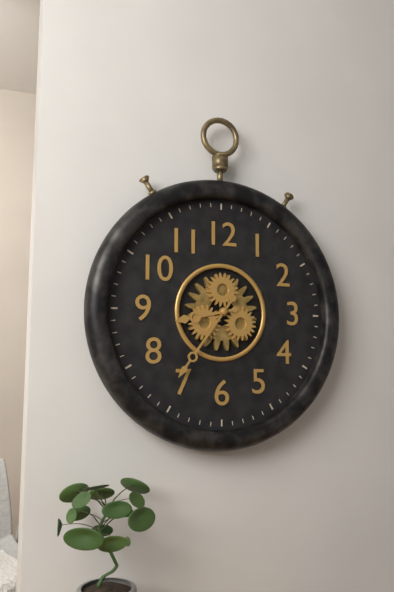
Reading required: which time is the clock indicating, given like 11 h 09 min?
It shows 8 h 36 min
